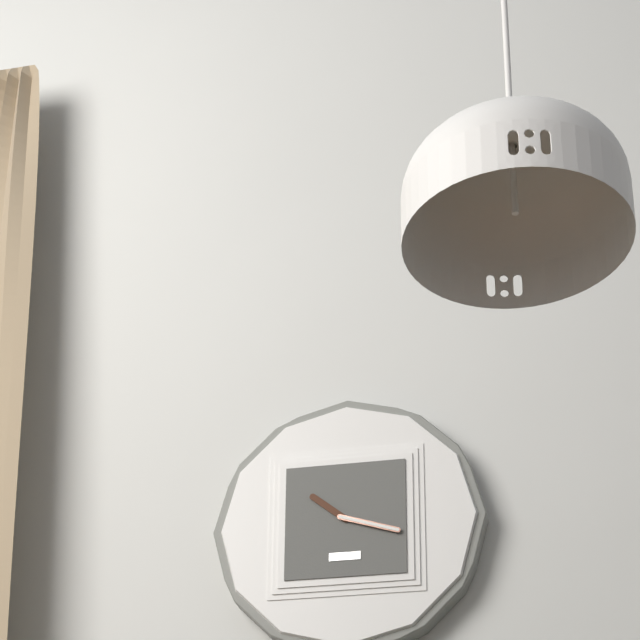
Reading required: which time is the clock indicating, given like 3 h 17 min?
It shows 10 h 18 min
